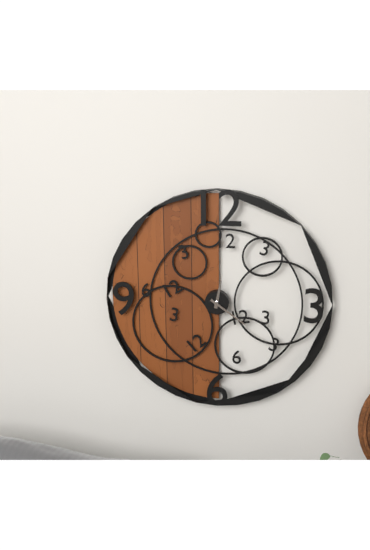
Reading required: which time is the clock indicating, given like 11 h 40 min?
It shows 12 h 21 min
